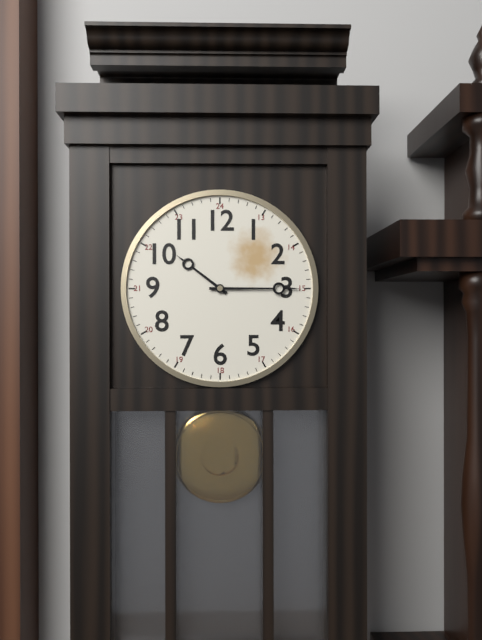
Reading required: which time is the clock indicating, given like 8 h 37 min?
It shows 10 h 15 min
